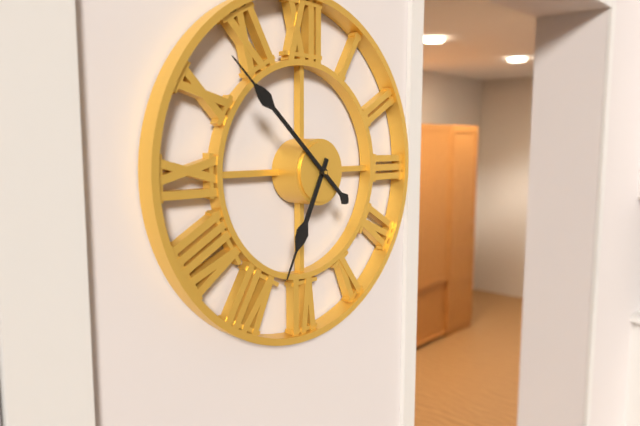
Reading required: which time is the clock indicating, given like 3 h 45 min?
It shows 6 h 52 min
